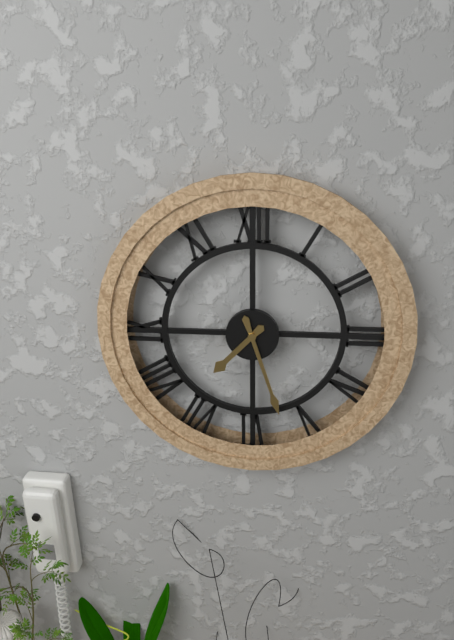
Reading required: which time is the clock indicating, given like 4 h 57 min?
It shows 7 h 27 min
